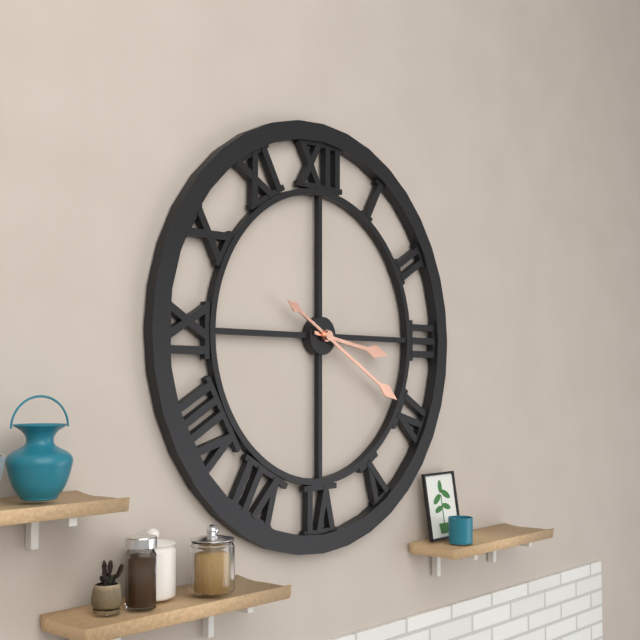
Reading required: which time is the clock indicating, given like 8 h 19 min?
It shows 3 h 20 min
